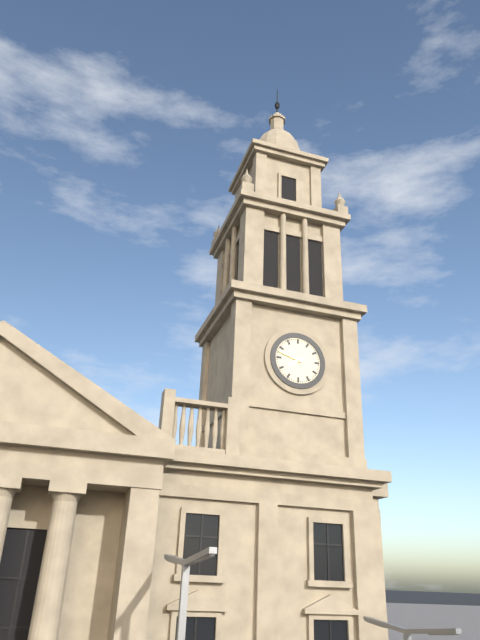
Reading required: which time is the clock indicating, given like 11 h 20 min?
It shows 7 h 48 min
